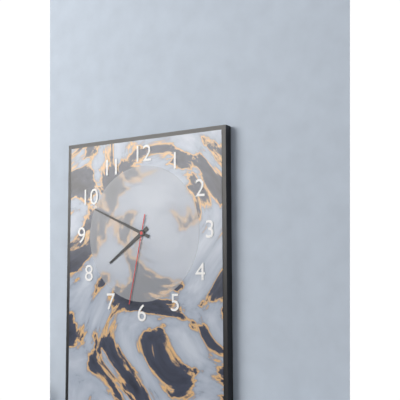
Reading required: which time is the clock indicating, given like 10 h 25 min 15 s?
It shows 7 h 49 min 32 s
